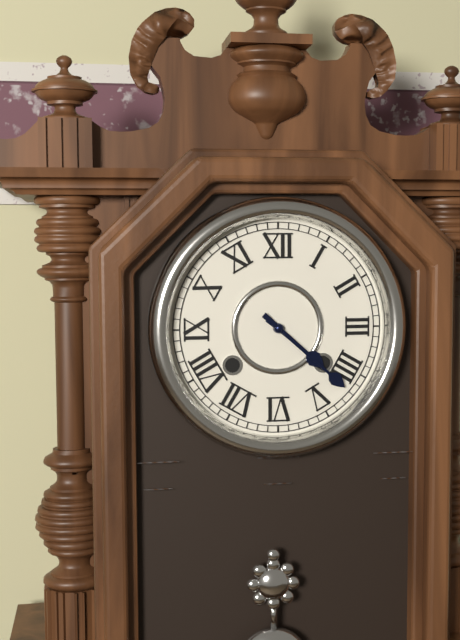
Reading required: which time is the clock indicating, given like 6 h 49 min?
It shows 4 h 22 min
